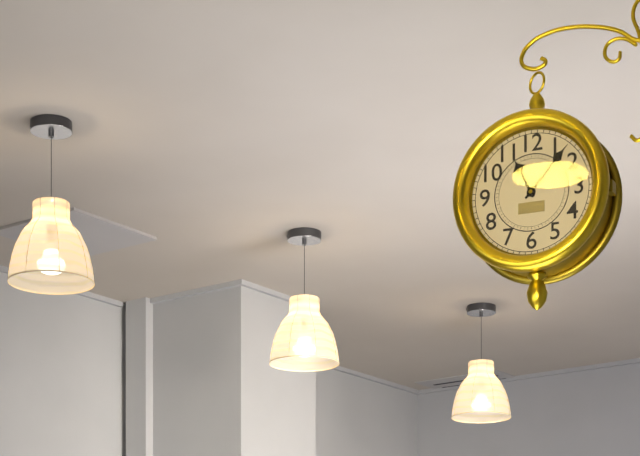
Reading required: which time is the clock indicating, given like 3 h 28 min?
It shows 11 h 07 min
